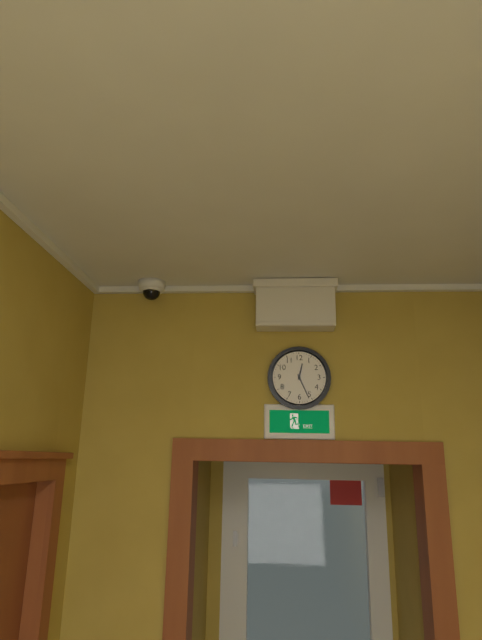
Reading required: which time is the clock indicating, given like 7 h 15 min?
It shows 12 h 26 min
